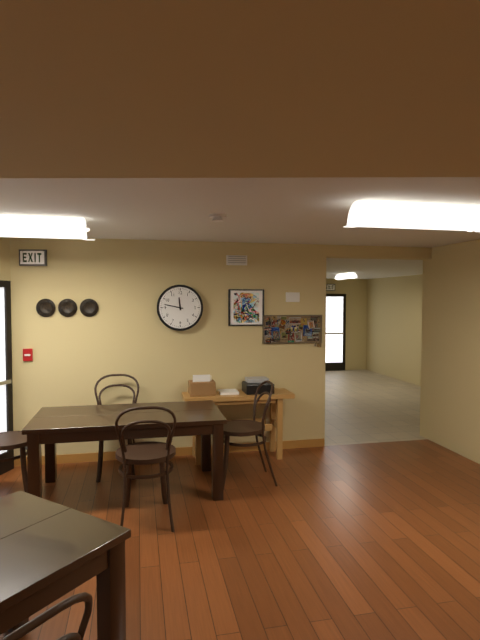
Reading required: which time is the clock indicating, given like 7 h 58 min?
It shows 11 h 47 min
